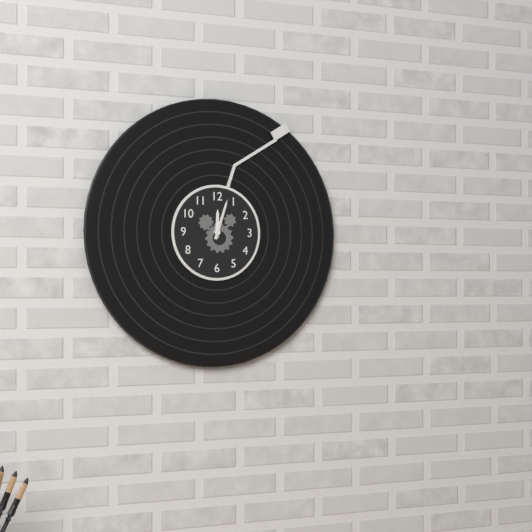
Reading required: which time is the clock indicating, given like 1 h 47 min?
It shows 12 h 03 min
